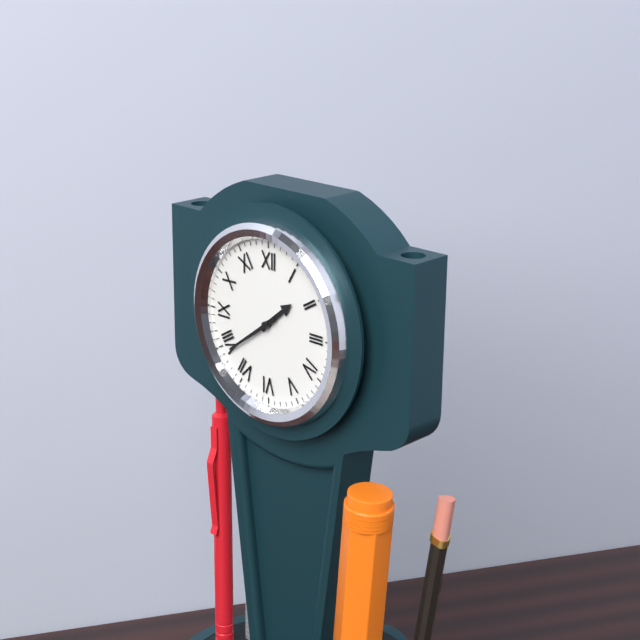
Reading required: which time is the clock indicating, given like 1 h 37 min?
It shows 1 h 39 min
